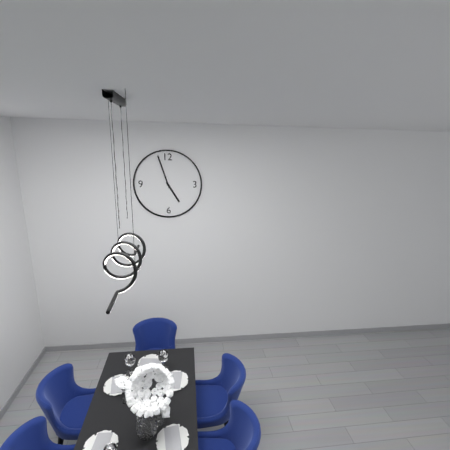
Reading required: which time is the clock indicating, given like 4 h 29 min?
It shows 4 h 57 min
